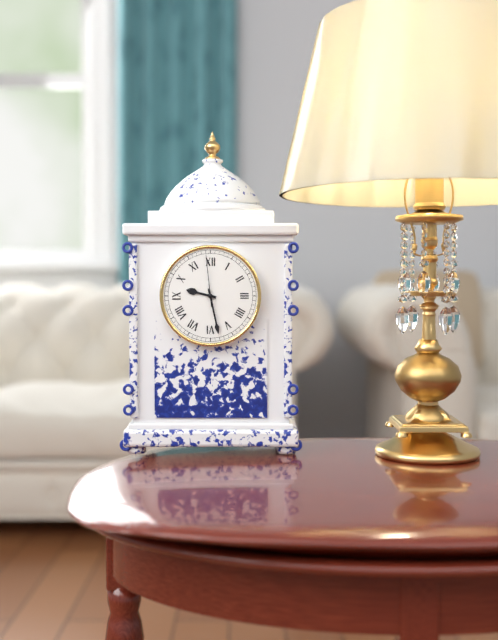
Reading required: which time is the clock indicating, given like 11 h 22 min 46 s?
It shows 9 h 28 min 59 s
